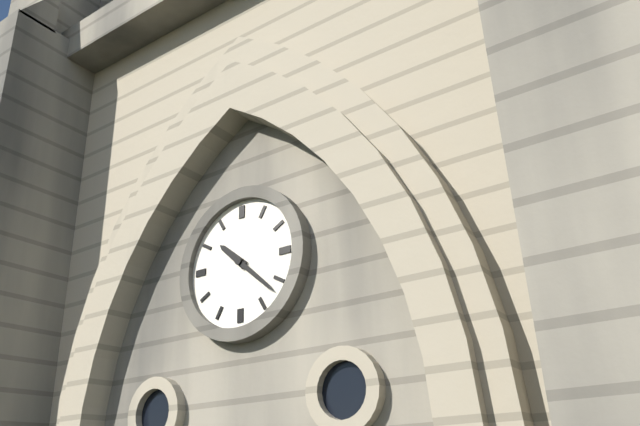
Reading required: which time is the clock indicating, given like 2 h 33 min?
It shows 10 h 22 min
